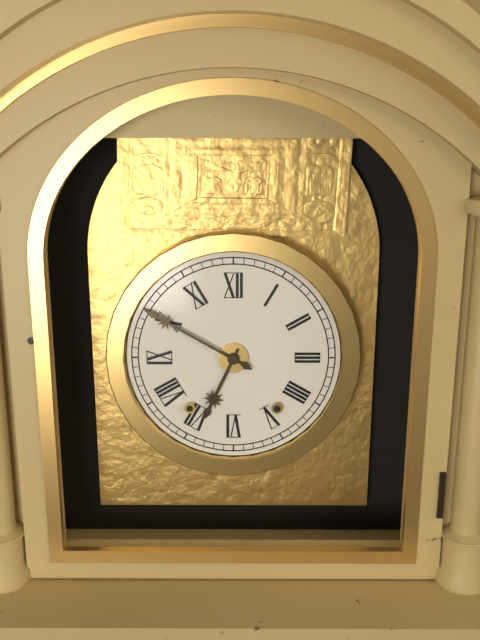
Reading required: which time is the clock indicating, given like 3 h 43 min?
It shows 6 h 50 min
